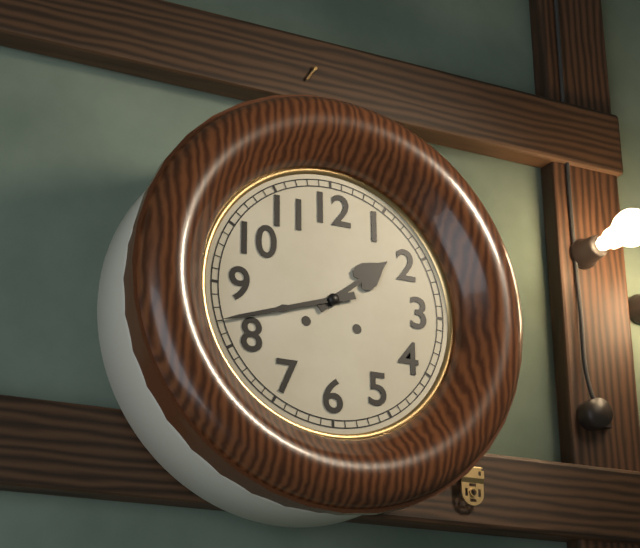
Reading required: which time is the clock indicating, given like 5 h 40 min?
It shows 1 h 42 min
